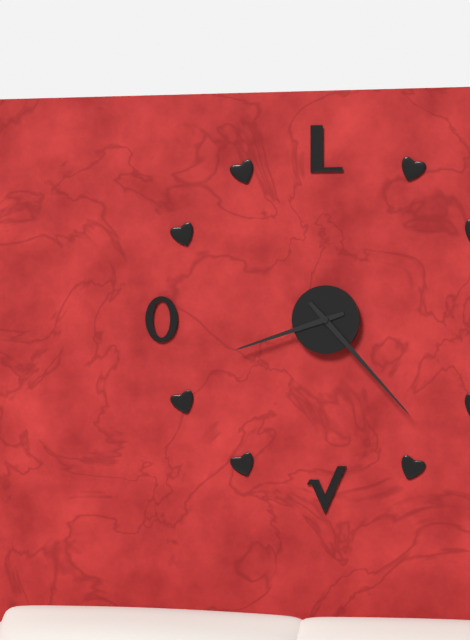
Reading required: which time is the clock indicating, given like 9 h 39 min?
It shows 8 h 23 min
